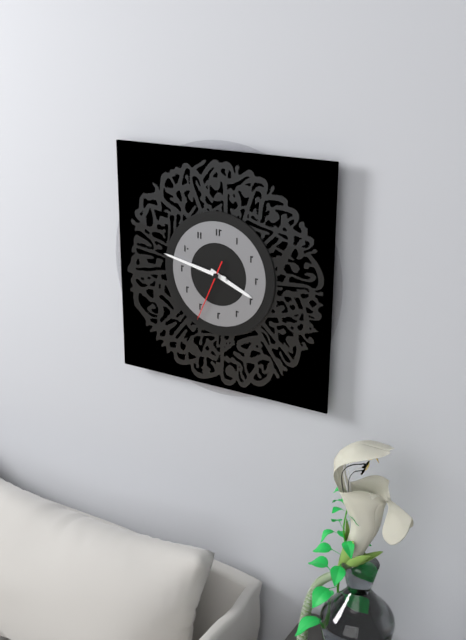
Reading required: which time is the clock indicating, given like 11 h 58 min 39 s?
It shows 3 h 47 min 34 s
